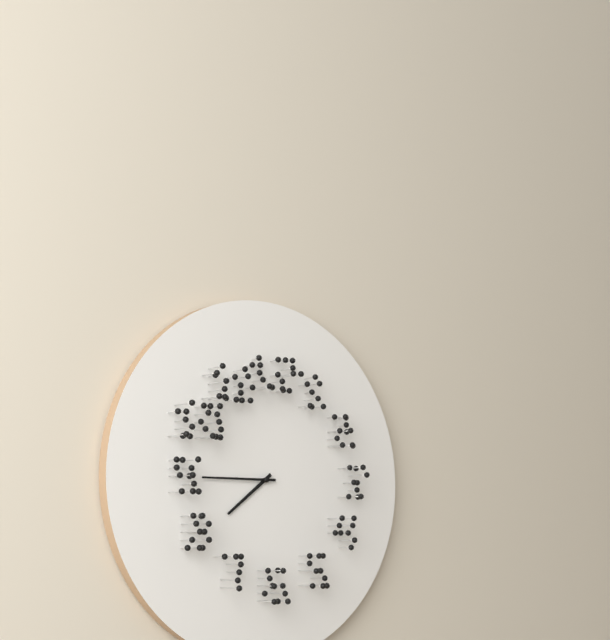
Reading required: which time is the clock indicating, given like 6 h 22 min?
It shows 7 h 45 min
